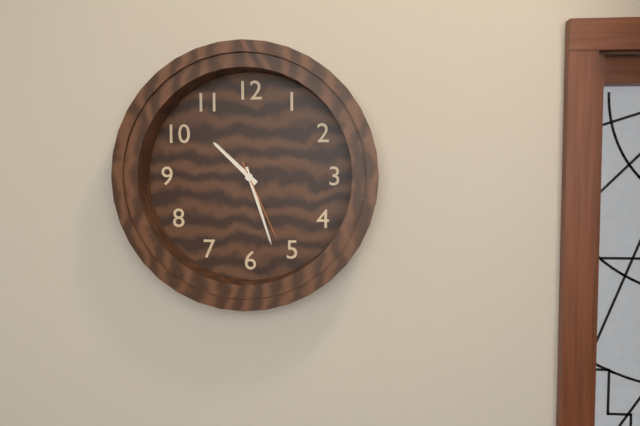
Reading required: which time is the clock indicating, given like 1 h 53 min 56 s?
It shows 10 h 27 min 26 s
